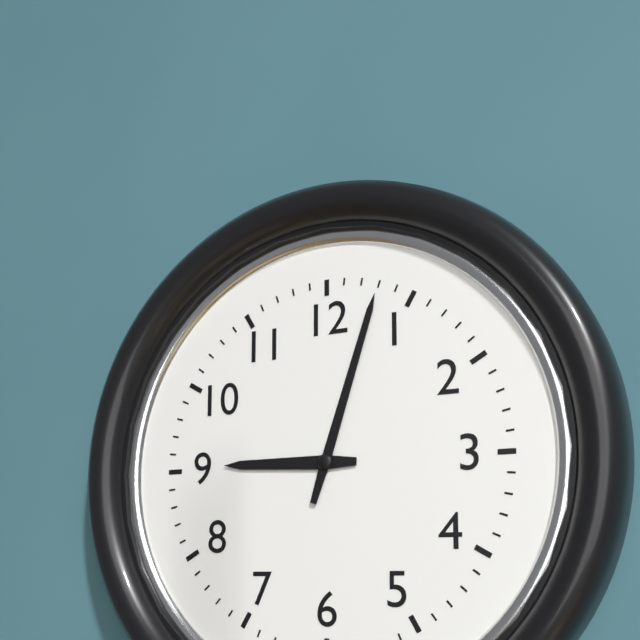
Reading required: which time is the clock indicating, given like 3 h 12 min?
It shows 9 h 03 min
